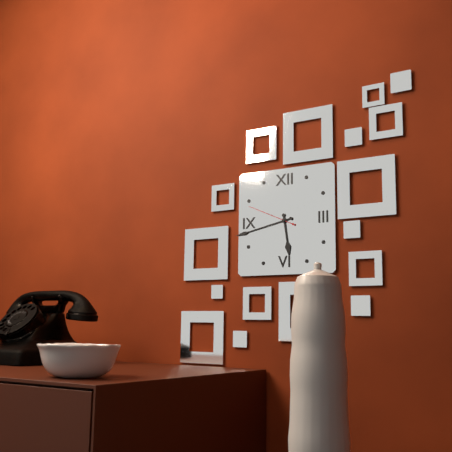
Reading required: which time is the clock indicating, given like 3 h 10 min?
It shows 5 h 43 min
